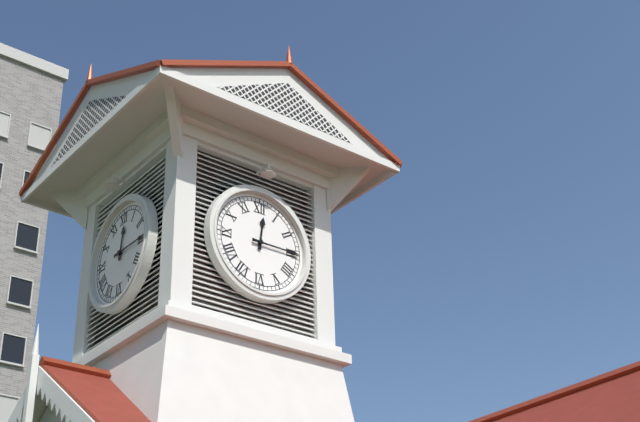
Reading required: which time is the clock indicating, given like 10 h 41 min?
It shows 12 h 15 min
